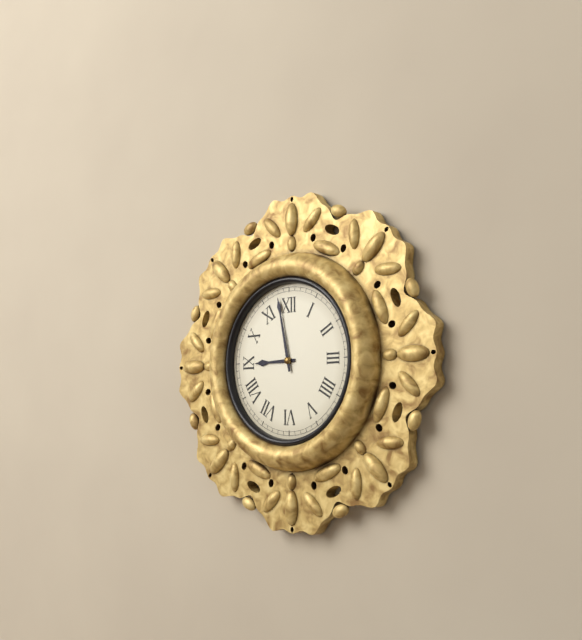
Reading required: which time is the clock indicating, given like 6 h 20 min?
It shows 8 h 58 min
